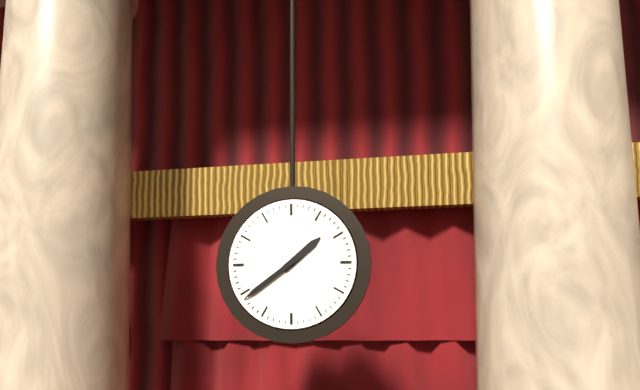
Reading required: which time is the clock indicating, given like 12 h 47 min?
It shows 1 h 39 min
